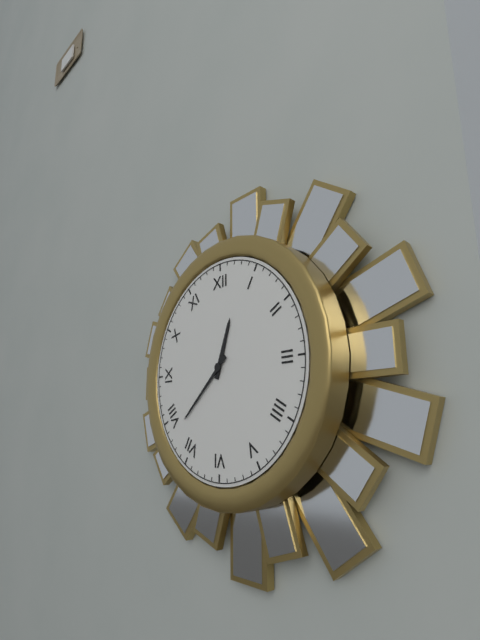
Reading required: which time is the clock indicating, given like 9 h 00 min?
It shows 12 h 38 min
